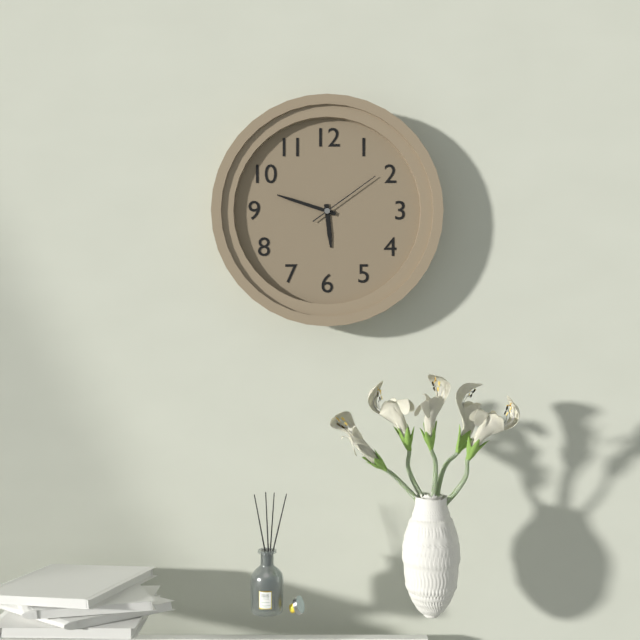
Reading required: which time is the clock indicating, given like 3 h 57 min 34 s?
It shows 5 h 48 min 09 s
